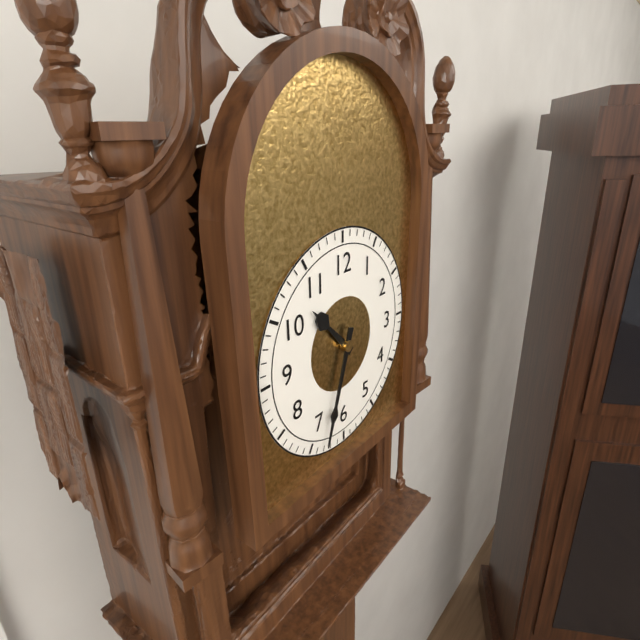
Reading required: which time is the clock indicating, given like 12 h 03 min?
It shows 10 h 33 min
